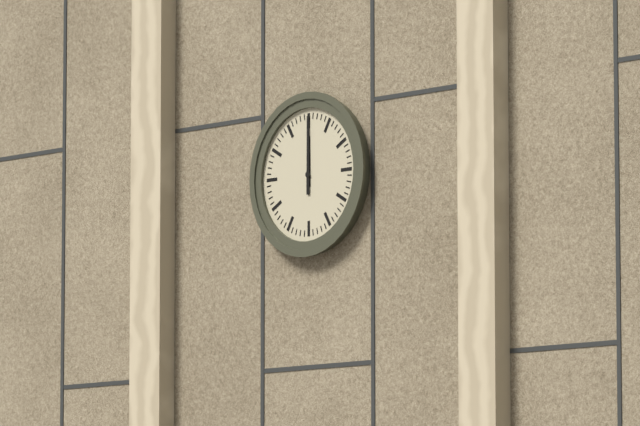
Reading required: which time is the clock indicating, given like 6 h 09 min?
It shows 12 h 00 min
